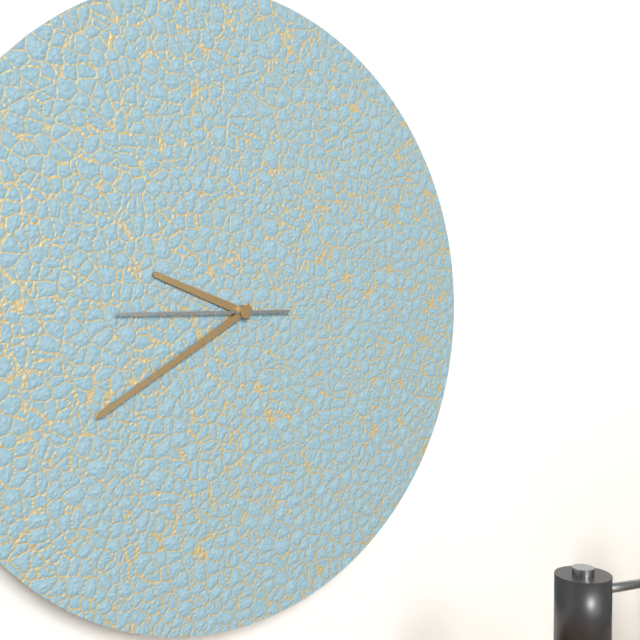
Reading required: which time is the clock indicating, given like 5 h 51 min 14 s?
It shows 9 h 40 min 45 s
